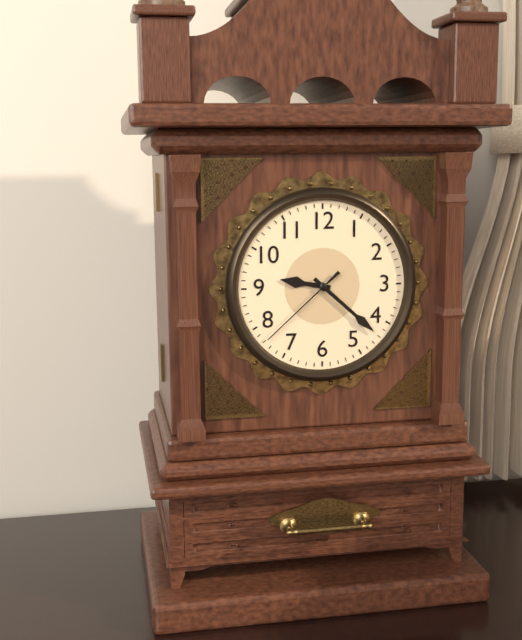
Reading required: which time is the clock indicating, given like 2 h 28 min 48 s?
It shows 9 h 22 min 38 s
